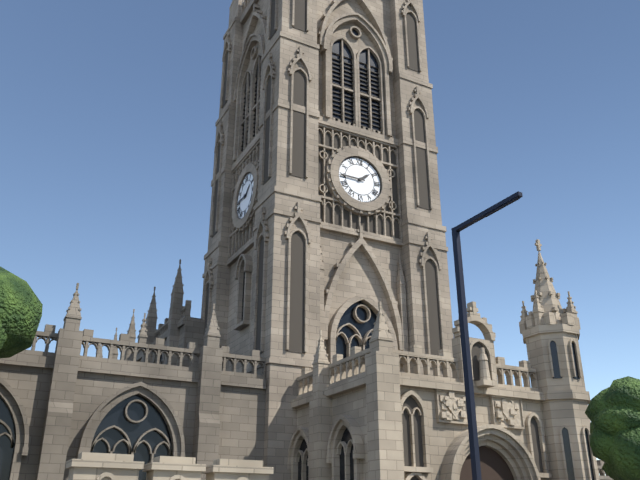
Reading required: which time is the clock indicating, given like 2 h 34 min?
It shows 1 h 45 min
